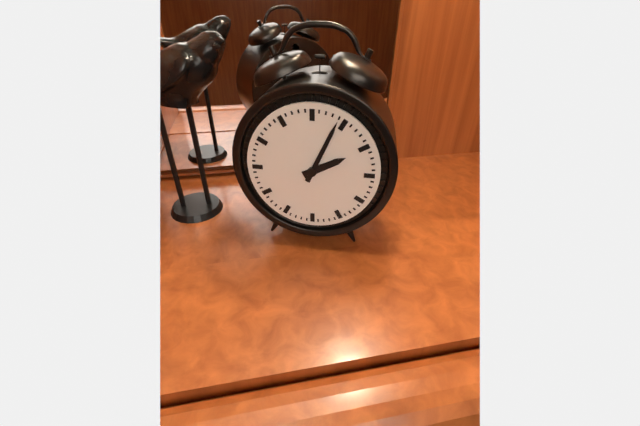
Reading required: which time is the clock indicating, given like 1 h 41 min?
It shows 2 h 04 min
